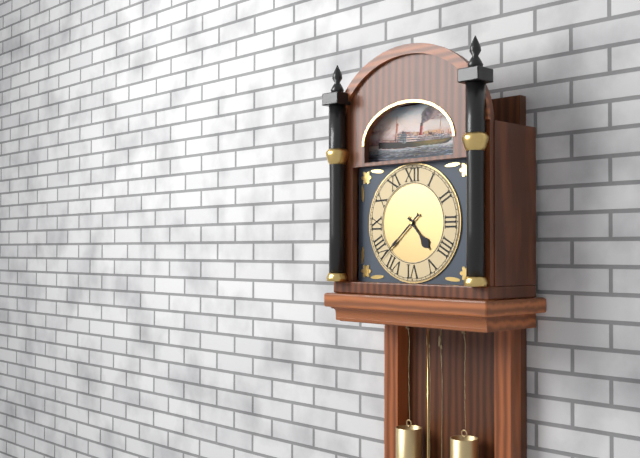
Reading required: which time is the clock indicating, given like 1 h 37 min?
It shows 4 h 38 min
